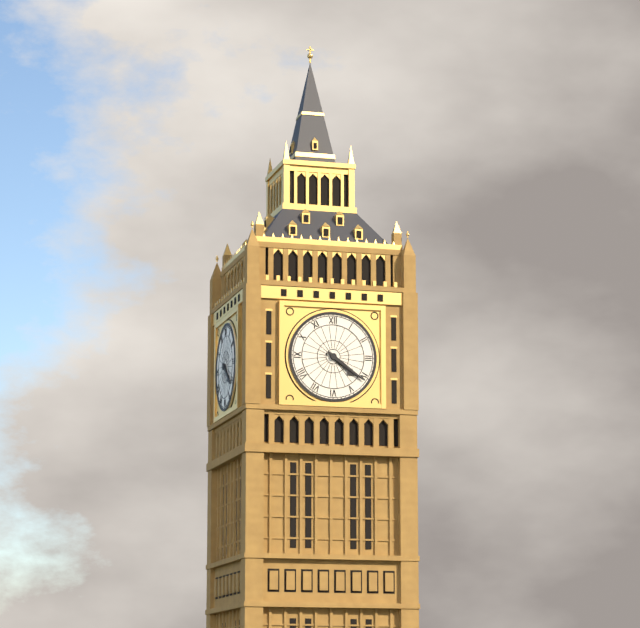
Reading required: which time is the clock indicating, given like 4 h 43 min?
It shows 4 h 21 min
